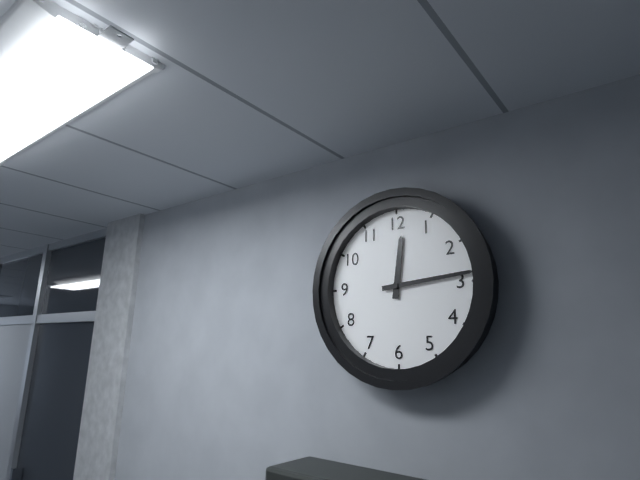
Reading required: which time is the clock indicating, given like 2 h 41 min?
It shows 12 h 14 min
